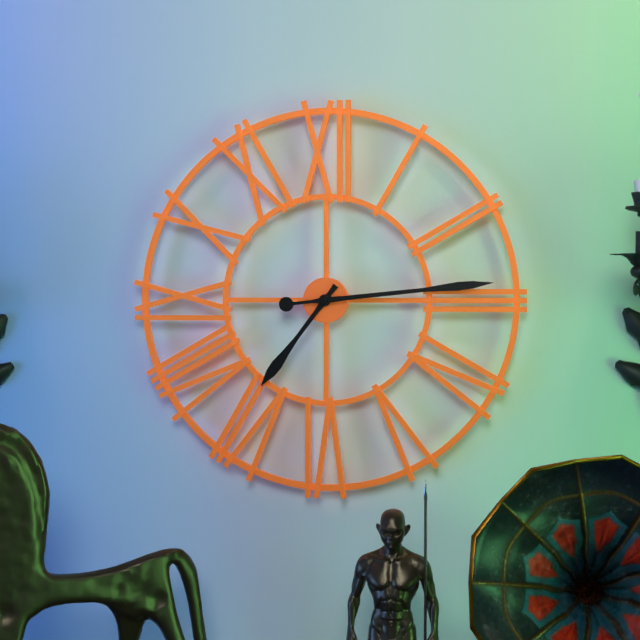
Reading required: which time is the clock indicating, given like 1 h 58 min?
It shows 7 h 14 min
